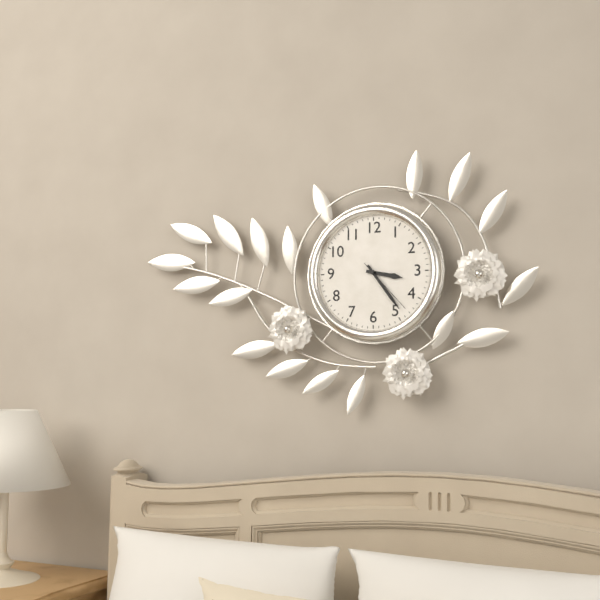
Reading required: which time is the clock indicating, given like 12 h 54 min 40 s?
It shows 3 h 24 min 23 s
